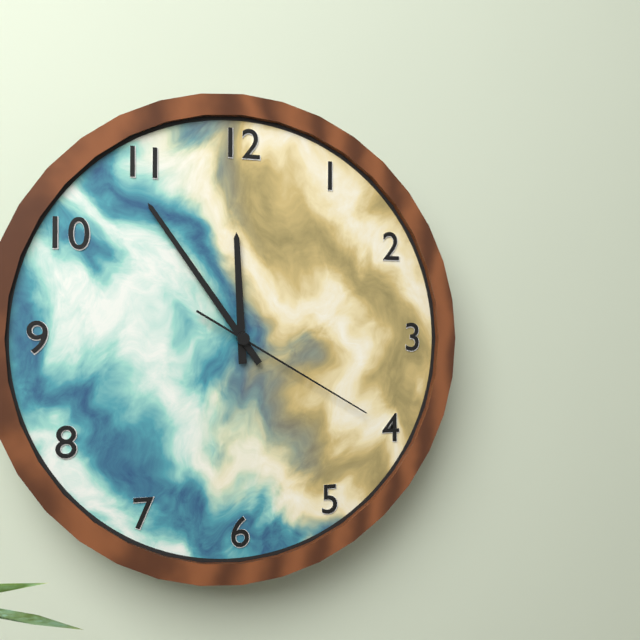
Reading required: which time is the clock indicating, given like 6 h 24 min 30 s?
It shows 11 h 54 min 20 s
